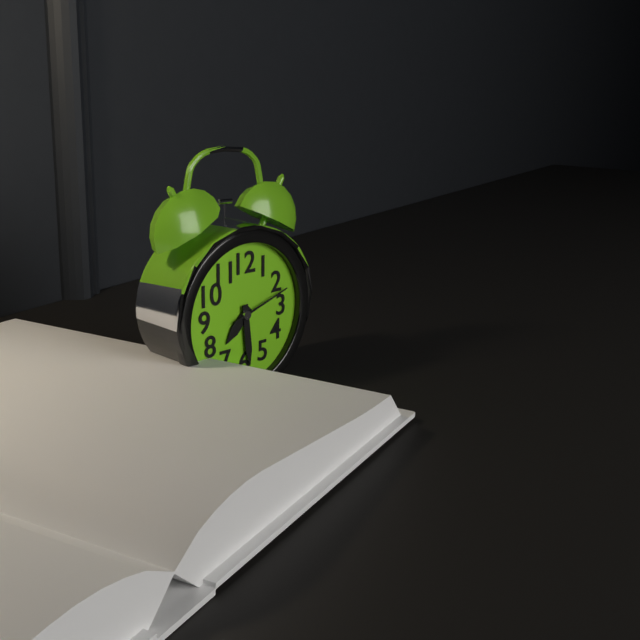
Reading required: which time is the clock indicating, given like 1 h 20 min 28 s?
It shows 7 h 29 min 12 s
